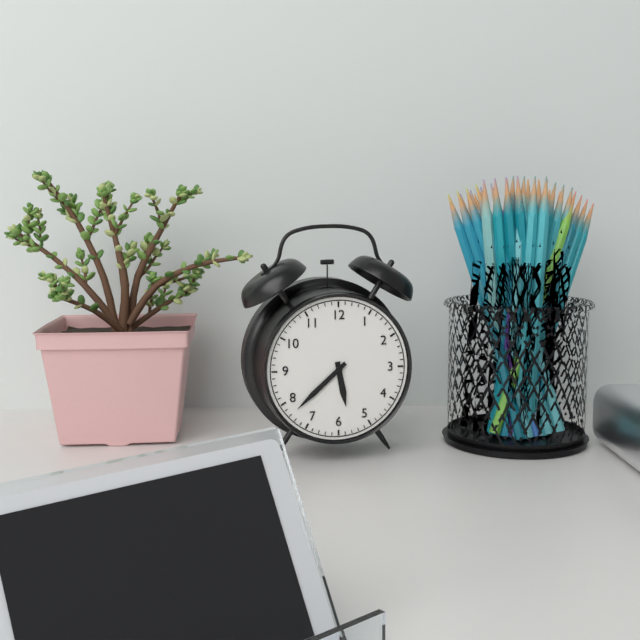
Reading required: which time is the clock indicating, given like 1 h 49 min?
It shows 5 h 38 min
